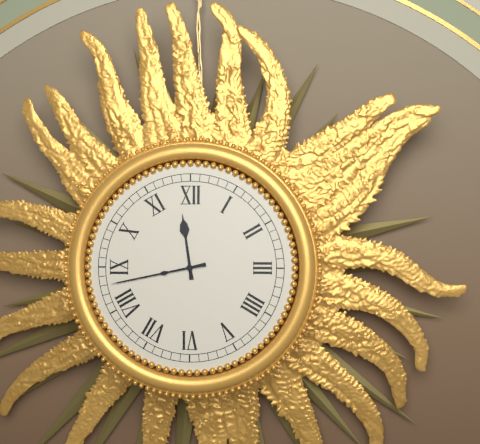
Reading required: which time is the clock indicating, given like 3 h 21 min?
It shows 11 h 43 min
